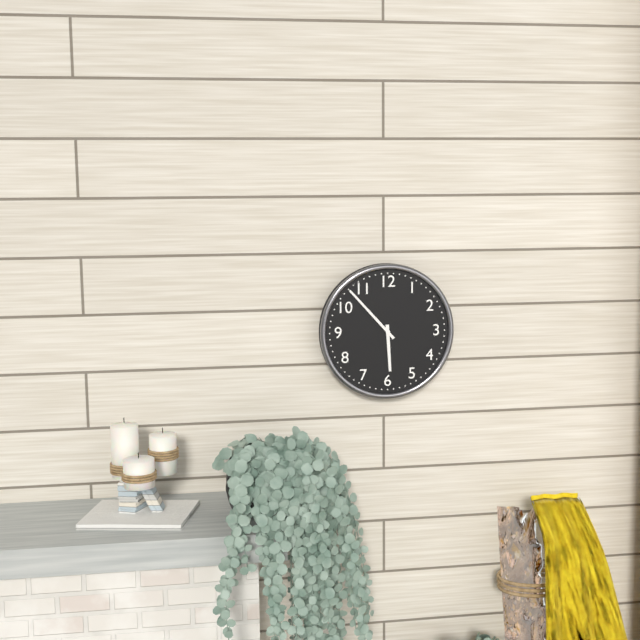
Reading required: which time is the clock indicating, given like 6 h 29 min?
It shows 5 h 53 min
